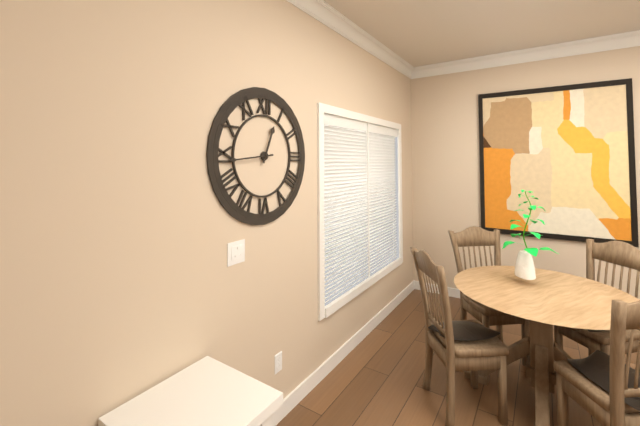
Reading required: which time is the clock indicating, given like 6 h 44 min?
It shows 12 h 44 min
